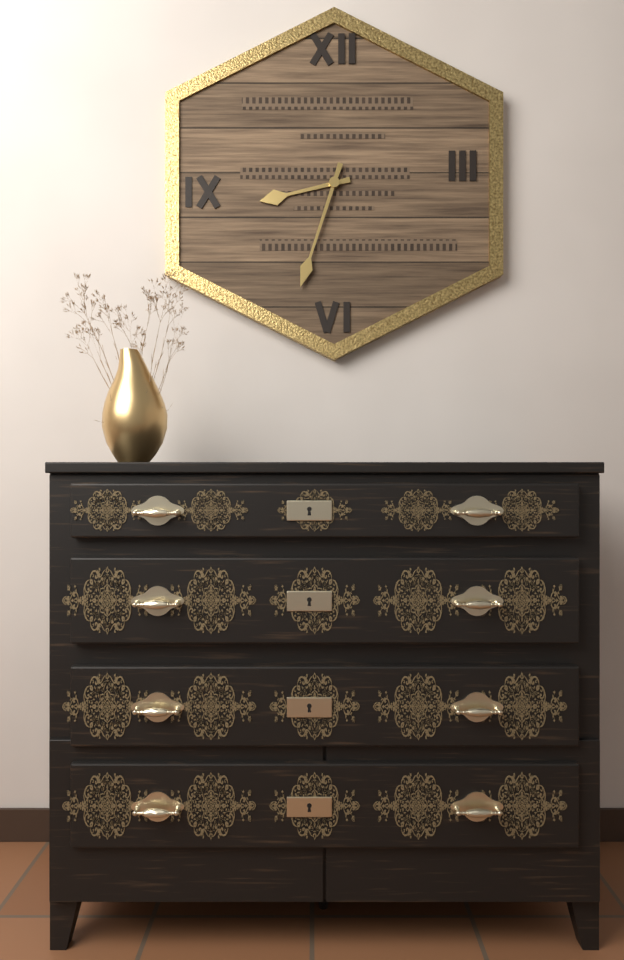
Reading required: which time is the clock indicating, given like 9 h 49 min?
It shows 8 h 33 min
